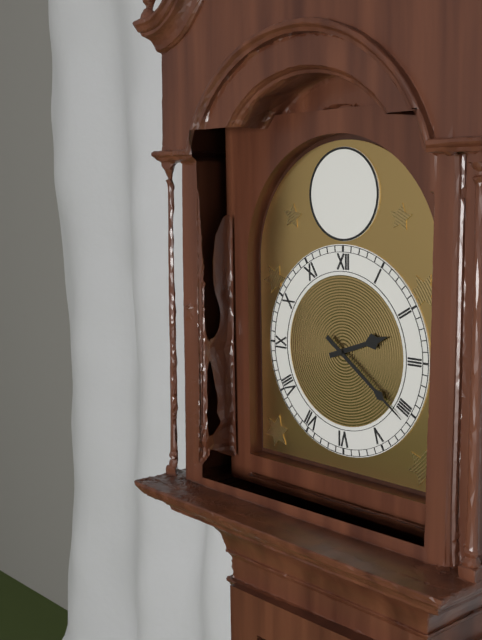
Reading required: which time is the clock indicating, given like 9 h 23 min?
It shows 2 h 21 min
